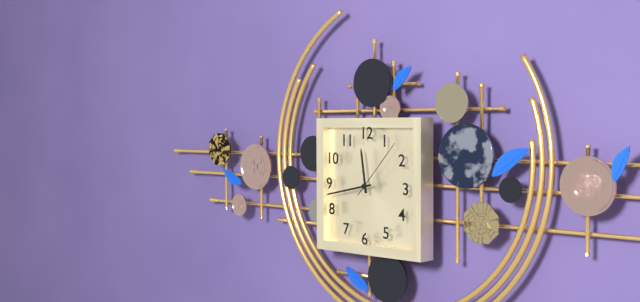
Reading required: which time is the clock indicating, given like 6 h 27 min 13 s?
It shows 11 h 43 min 07 s
